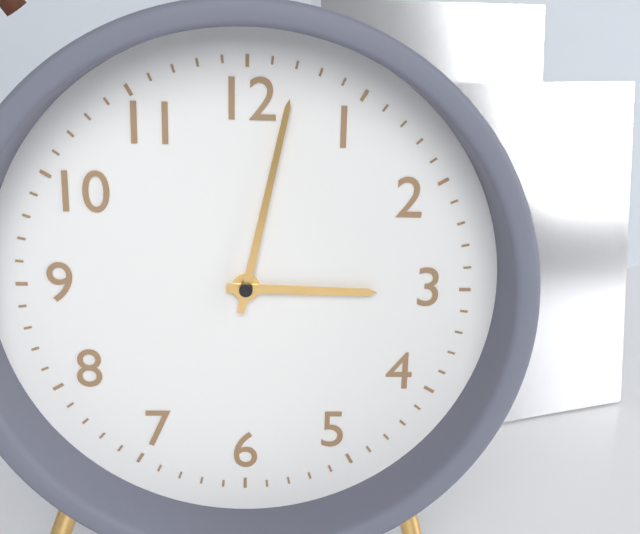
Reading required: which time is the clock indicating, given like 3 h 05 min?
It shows 3 h 02 min
